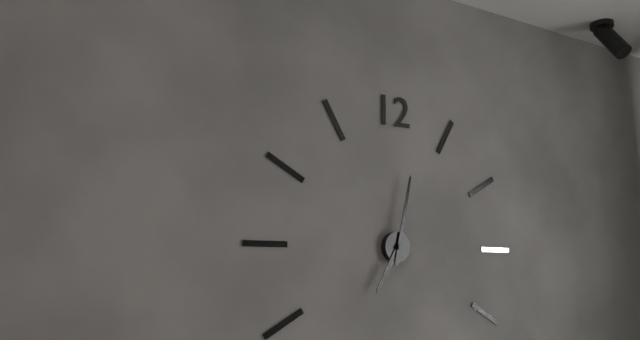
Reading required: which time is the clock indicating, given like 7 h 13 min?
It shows 7 h 02 min
